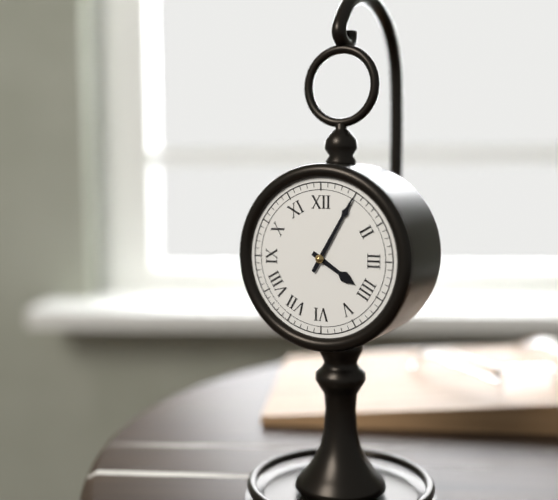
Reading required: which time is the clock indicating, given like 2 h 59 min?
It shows 4 h 05 min
